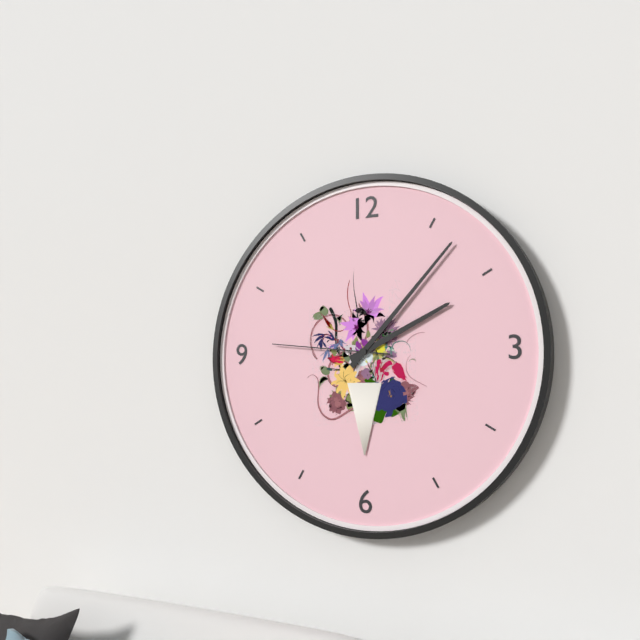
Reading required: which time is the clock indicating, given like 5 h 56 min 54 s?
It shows 2 h 07 min 46 s
